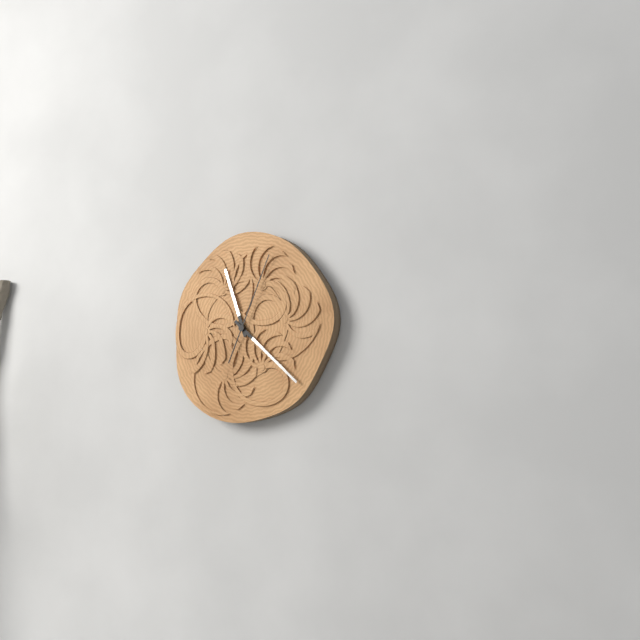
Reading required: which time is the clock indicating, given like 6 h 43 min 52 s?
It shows 11 h 22 min 04 s
